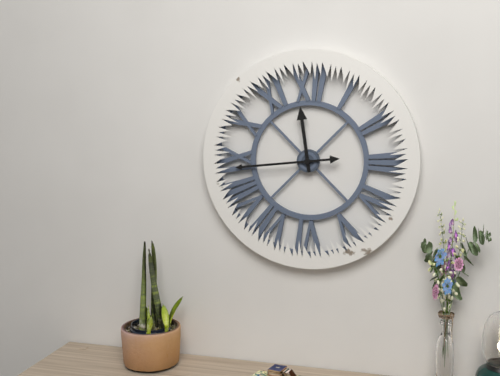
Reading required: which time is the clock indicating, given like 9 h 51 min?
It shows 11 h 44 min
